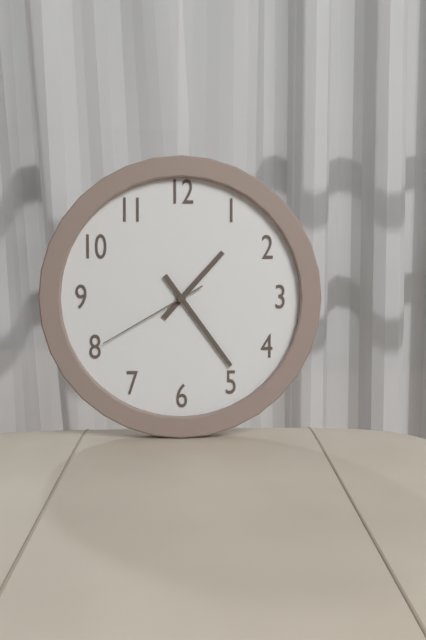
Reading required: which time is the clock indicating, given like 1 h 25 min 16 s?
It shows 1 h 24 min 40 s
